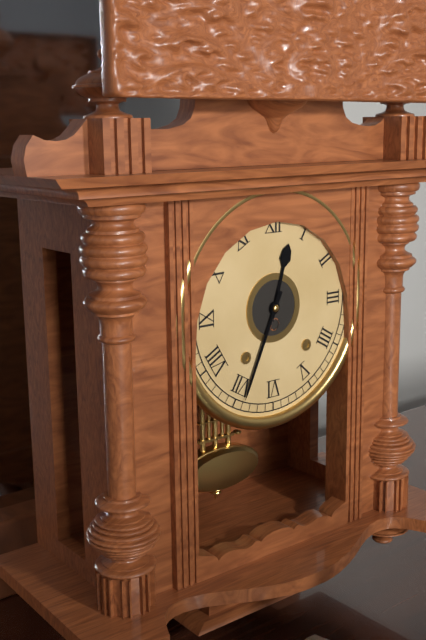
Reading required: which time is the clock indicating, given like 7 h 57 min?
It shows 12 h 34 min
